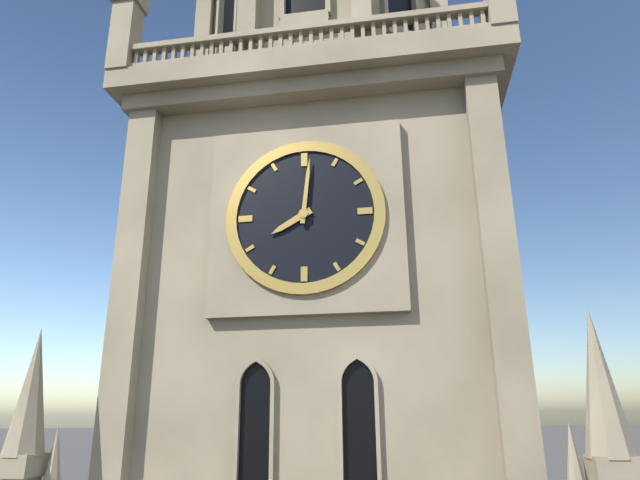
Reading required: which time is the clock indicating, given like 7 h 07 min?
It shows 8 h 01 min
